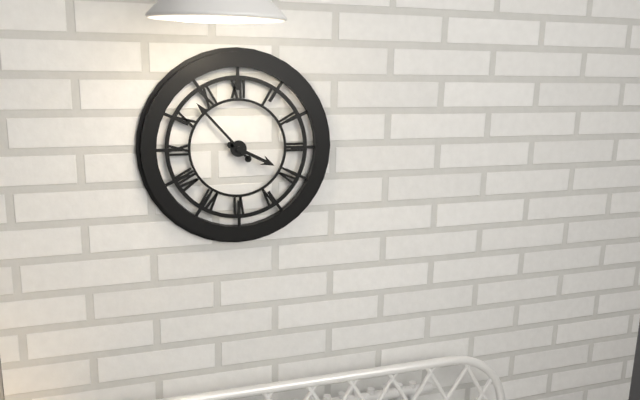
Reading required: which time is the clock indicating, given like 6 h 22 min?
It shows 3 h 53 min
